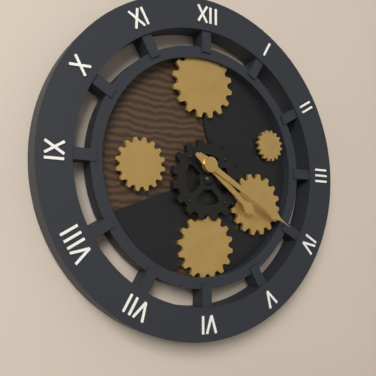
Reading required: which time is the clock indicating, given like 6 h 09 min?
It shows 4 h 20 min
